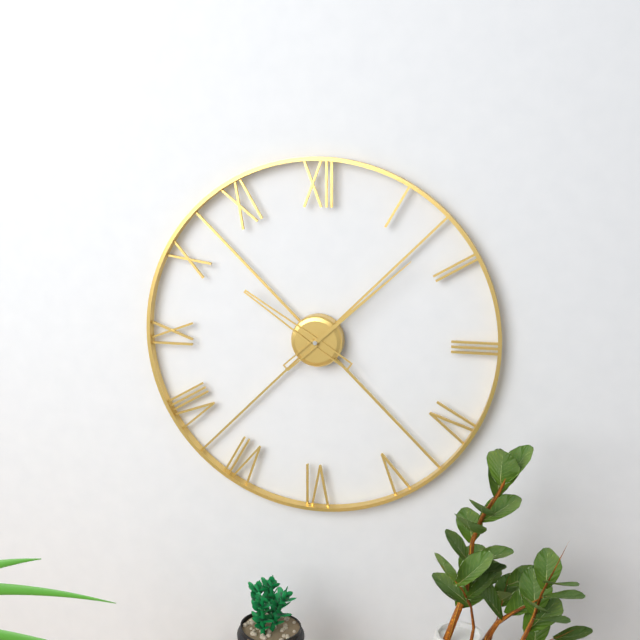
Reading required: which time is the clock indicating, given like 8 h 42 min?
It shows 10 h 08 min
